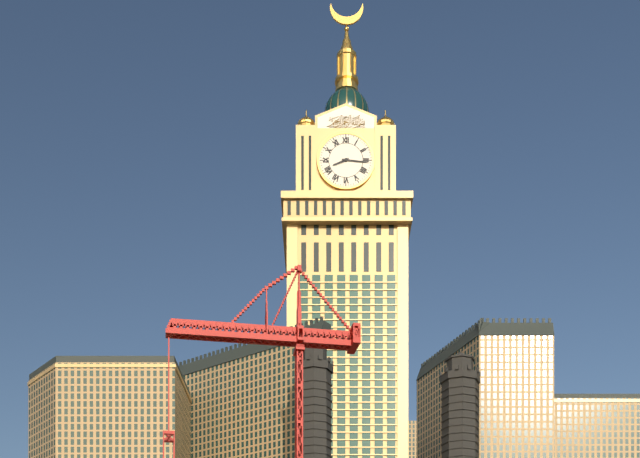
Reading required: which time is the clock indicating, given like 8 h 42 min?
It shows 8 h 16 min
